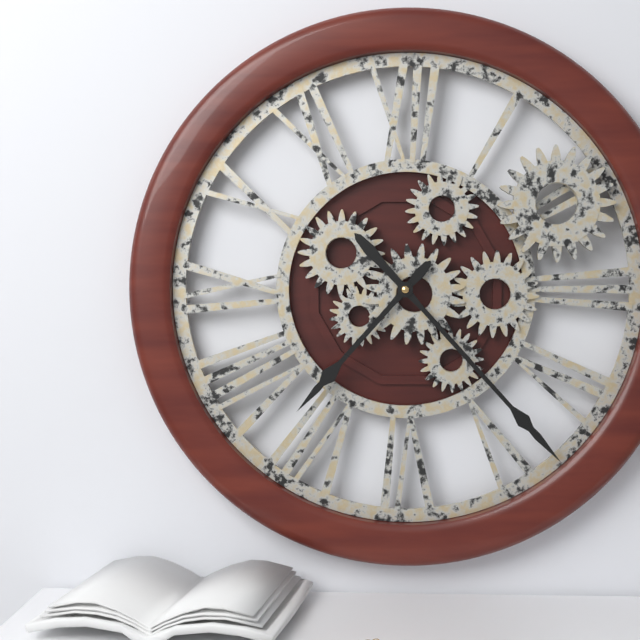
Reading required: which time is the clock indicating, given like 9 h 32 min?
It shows 7 h 23 min
